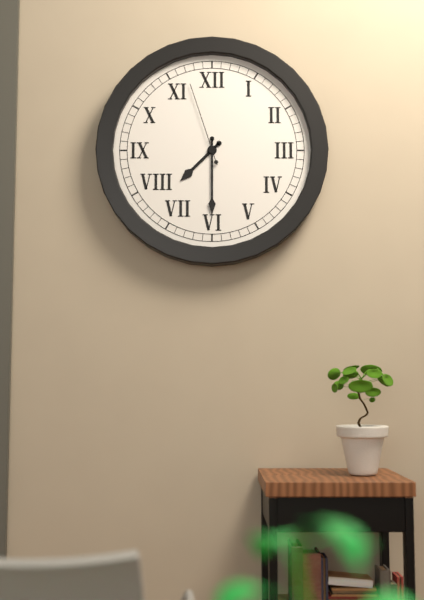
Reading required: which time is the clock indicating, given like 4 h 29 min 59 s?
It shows 7 h 30 min 57 s
